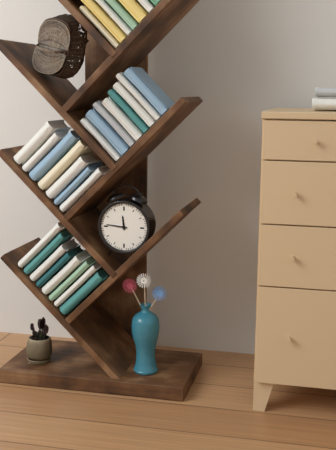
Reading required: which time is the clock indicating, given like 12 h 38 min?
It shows 11 h 46 min
